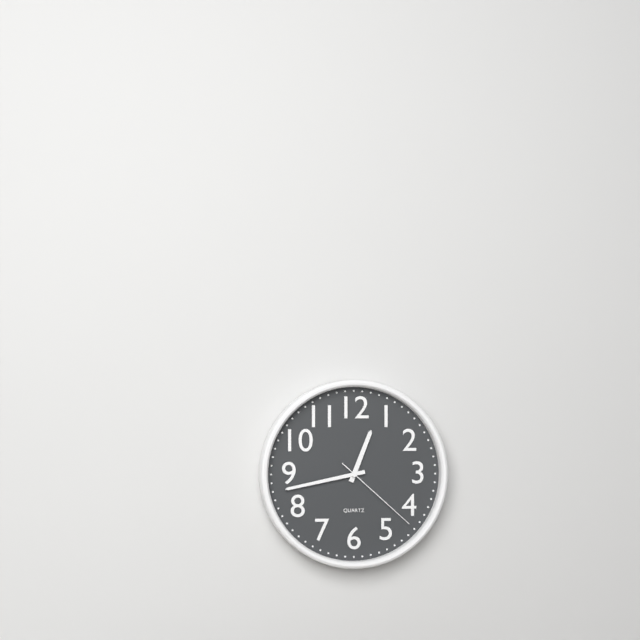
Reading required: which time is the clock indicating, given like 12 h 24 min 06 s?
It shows 12 h 43 min 22 s
